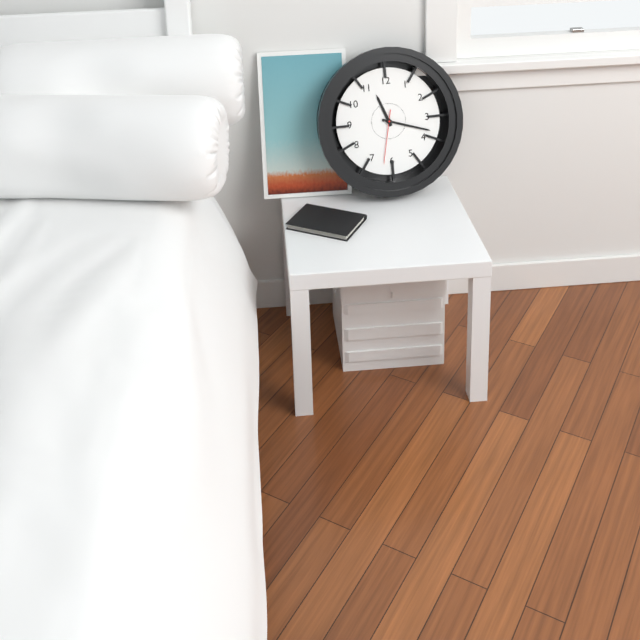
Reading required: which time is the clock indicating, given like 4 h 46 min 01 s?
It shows 11 h 18 min 32 s
